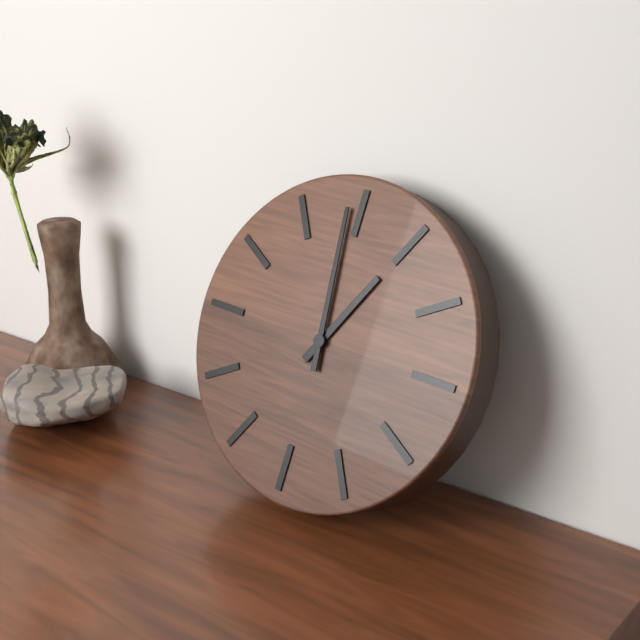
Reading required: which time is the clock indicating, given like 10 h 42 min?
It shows 12 h 59 min
